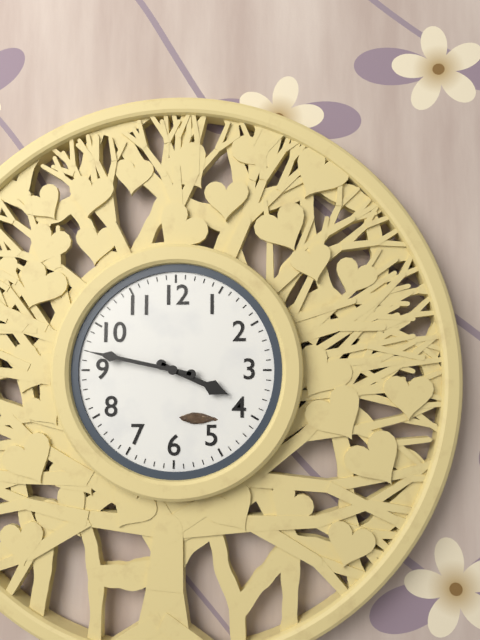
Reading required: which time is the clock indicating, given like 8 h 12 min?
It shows 3 h 47 min
